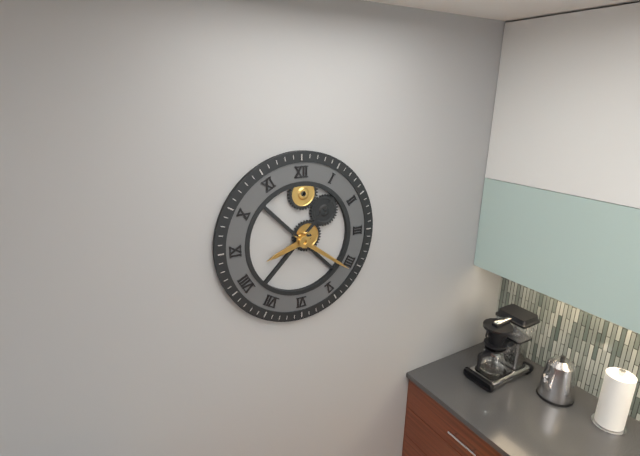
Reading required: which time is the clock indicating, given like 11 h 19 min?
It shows 8 h 21 min
